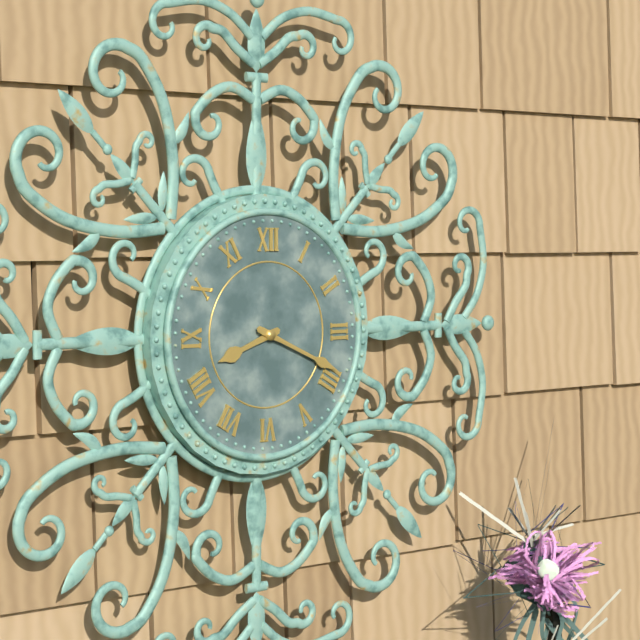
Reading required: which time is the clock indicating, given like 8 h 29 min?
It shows 8 h 19 min
